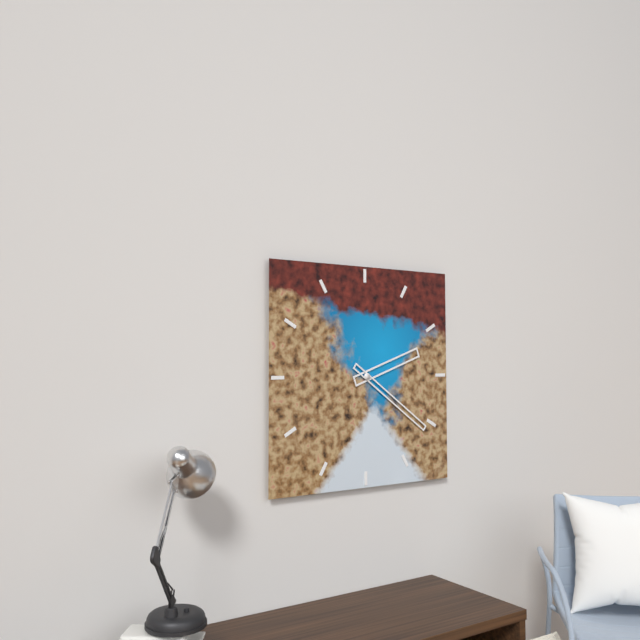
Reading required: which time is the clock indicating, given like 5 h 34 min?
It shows 2 h 21 min
